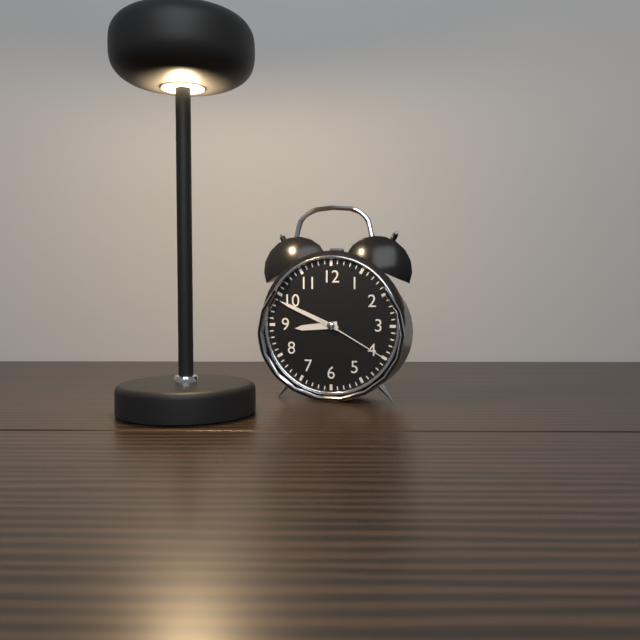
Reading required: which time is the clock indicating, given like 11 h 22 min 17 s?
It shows 8 h 49 min 20 s
